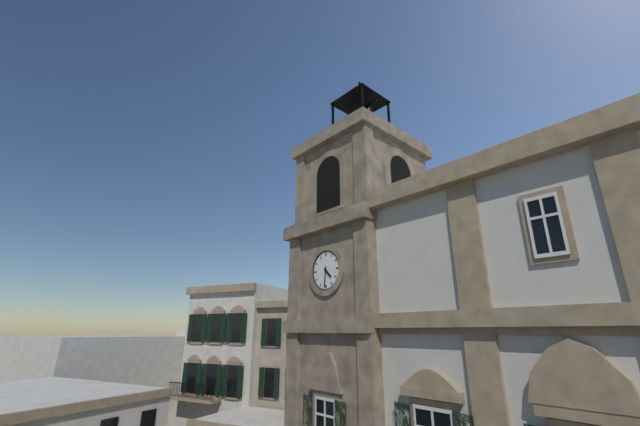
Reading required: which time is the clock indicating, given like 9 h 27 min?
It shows 4 h 31 min
